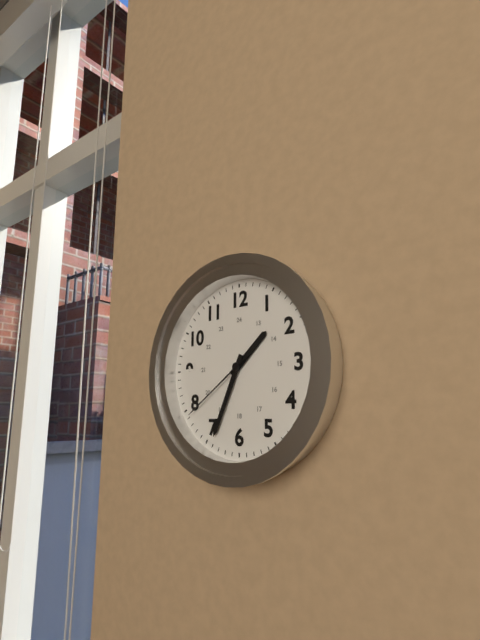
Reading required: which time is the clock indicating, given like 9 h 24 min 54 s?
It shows 1 h 34 min 39 s
